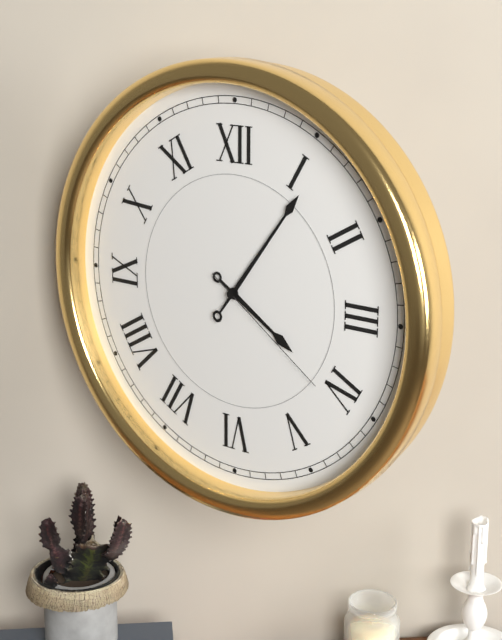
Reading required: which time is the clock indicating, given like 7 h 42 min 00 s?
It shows 4 h 06 min 21 s
